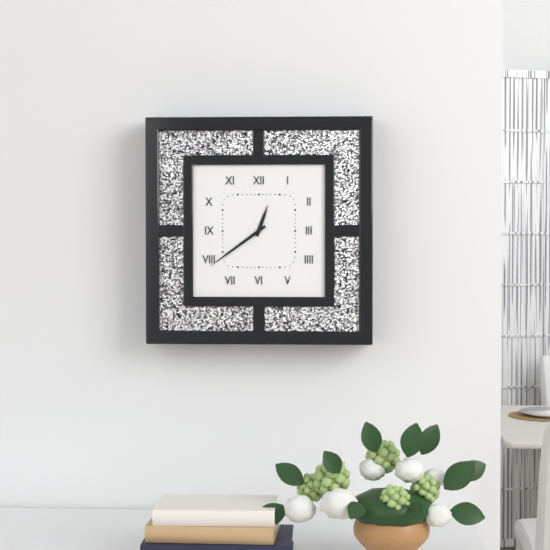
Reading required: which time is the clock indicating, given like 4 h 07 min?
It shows 12 h 39 min
